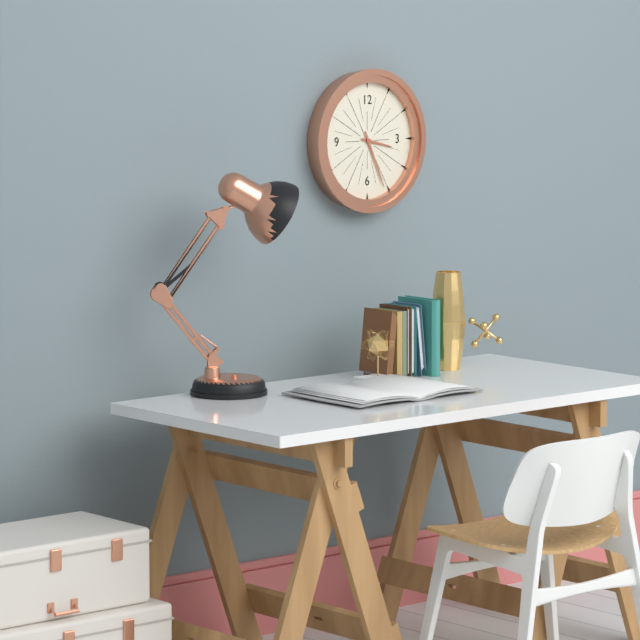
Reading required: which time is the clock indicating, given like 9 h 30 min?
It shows 3 h 26 min
